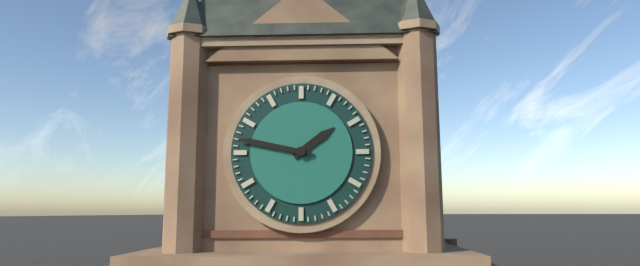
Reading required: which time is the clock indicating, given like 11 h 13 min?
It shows 1 h 47 min
